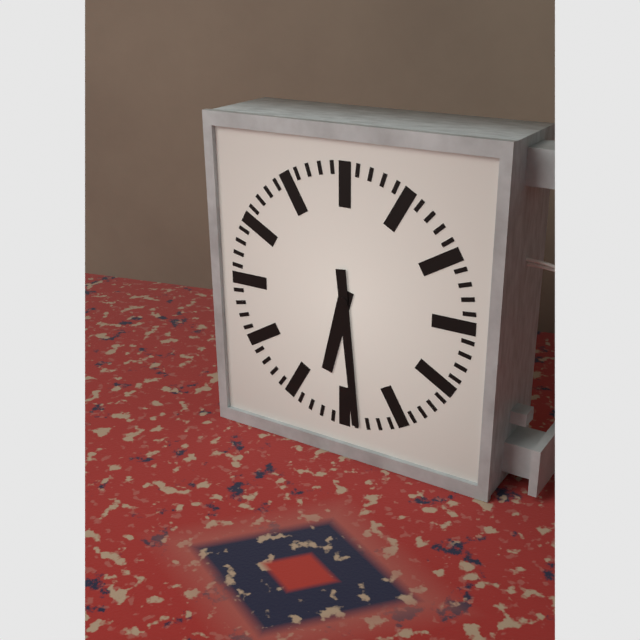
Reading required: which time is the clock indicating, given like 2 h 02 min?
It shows 6 h 29 min
